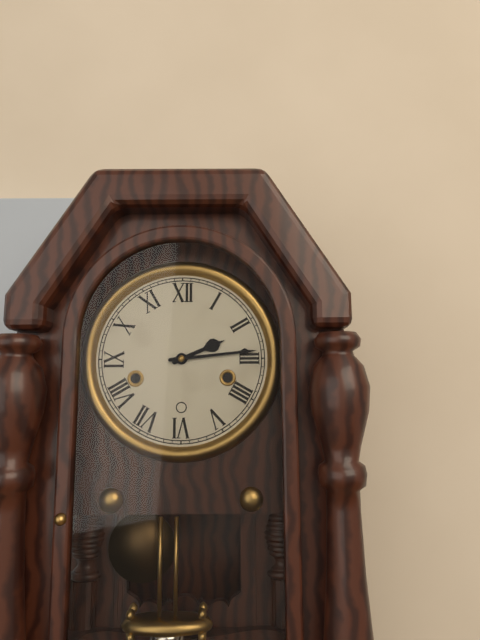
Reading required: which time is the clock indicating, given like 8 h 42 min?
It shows 2 h 14 min
